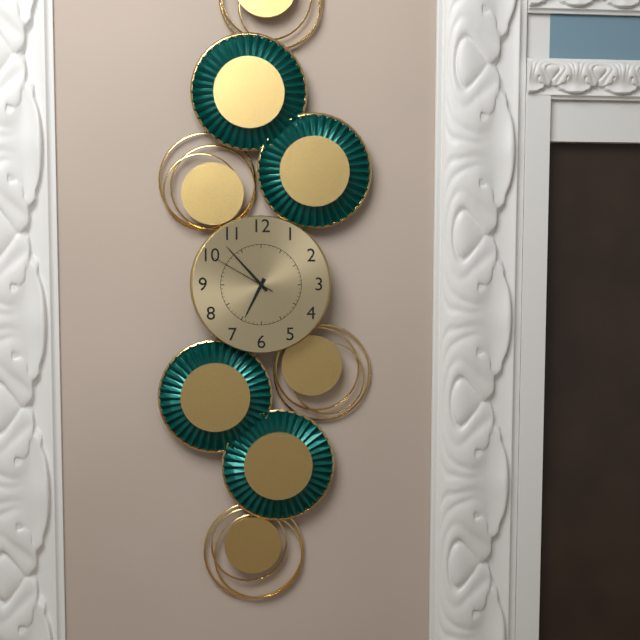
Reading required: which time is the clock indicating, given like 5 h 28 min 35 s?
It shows 6 h 53 min 50 s
